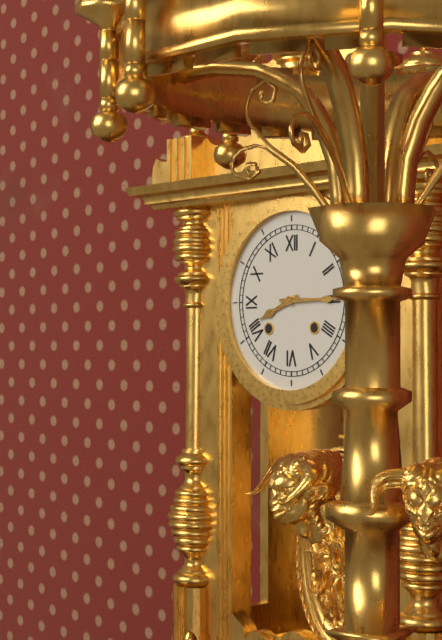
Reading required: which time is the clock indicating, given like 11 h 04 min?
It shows 8 h 15 min
